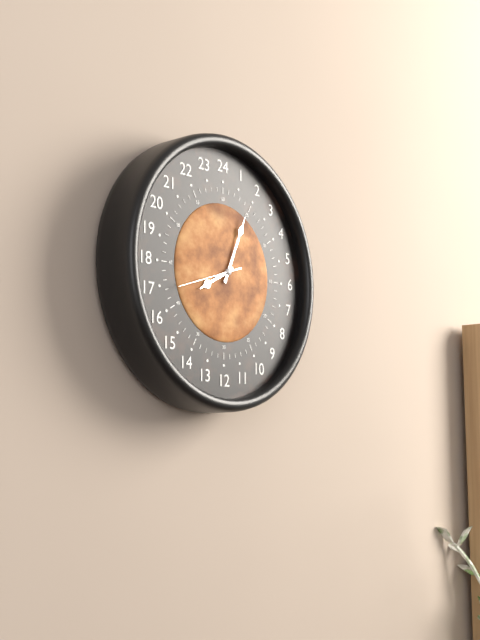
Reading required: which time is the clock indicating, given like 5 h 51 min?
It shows 8 h 04 min
